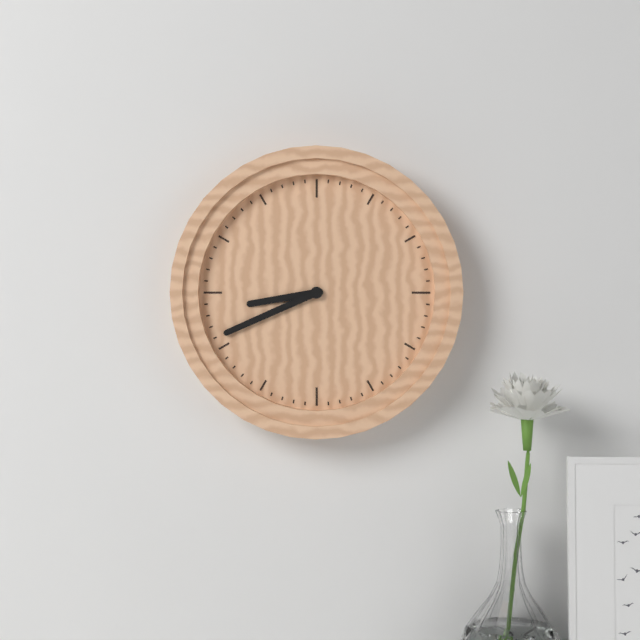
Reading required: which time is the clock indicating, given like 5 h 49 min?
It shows 8 h 41 min
